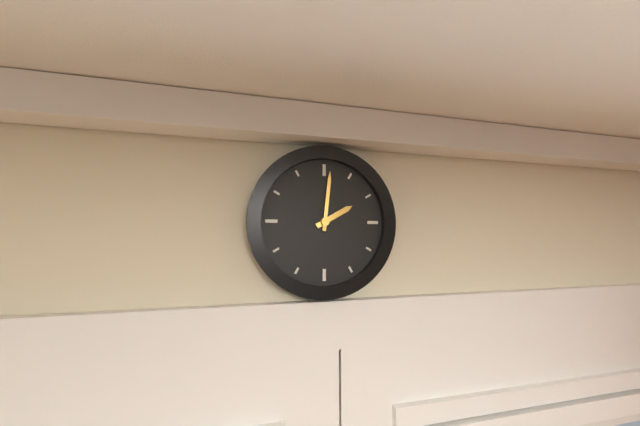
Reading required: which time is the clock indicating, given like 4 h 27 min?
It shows 2 h 01 min
